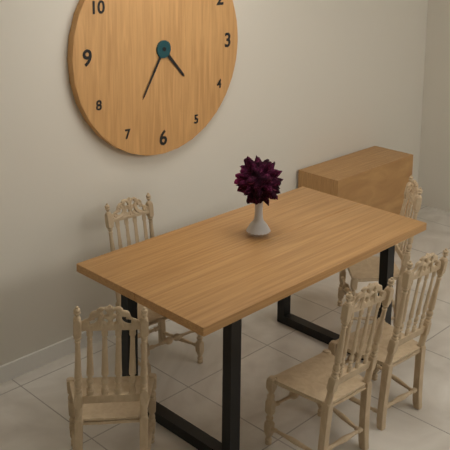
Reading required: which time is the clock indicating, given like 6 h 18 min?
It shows 4 h 35 min
